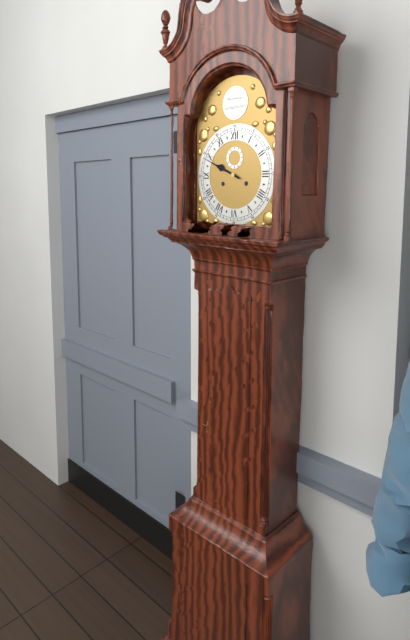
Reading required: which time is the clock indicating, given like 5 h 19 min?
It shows 9 h 49 min
